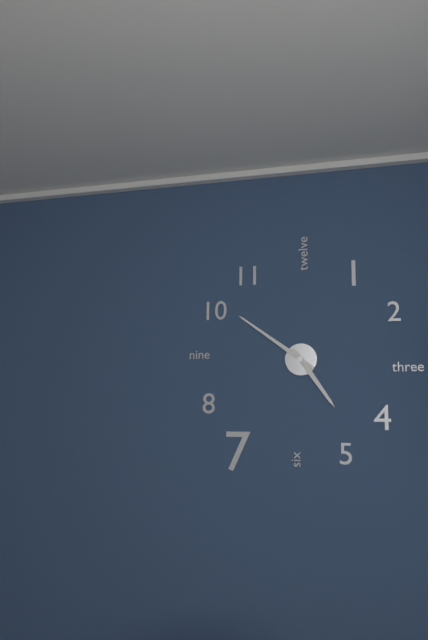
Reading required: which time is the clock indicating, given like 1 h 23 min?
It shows 4 h 51 min
